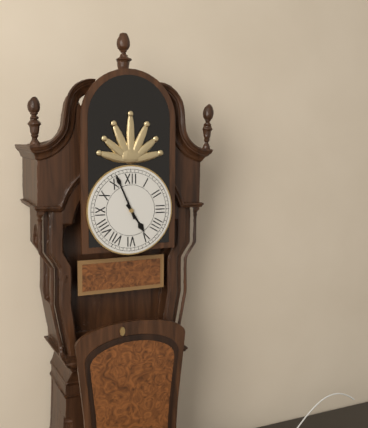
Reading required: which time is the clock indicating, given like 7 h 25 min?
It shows 4 h 56 min
